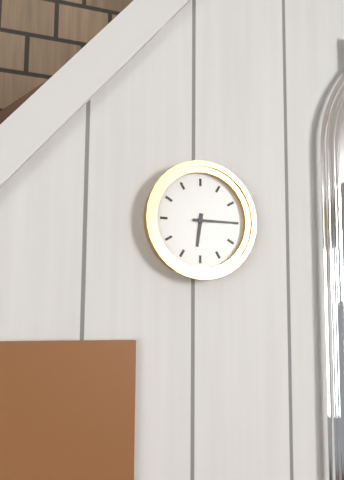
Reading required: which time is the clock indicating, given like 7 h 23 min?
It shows 6 h 15 min
